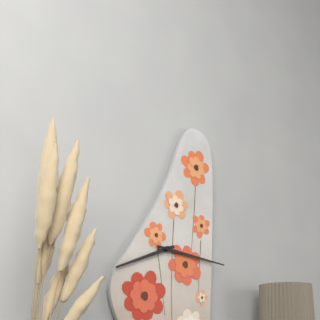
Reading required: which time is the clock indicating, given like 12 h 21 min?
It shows 8 h 16 min
